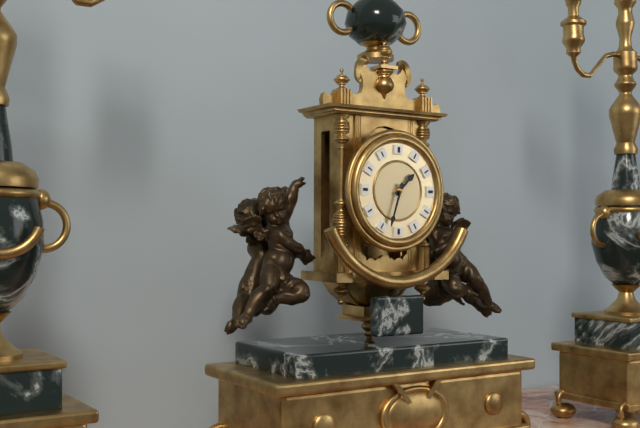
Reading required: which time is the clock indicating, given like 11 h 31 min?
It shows 1 h 33 min
